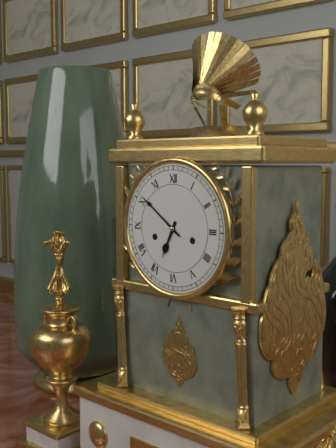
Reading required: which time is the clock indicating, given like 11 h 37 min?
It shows 6 h 51 min
